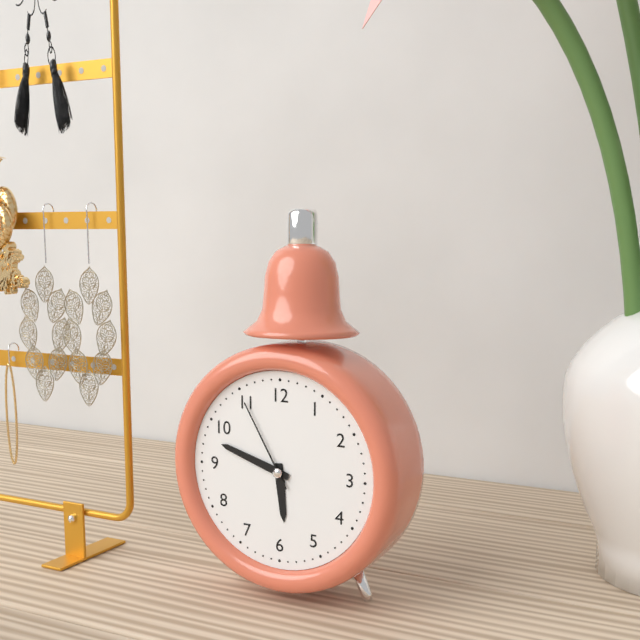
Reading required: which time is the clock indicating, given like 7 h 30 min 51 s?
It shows 5 h 48 min 55 s
